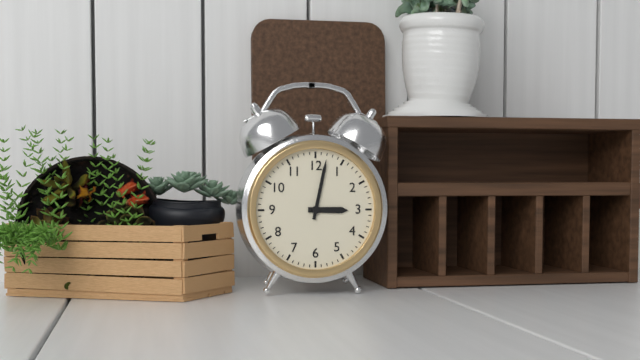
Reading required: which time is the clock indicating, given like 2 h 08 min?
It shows 3 h 02 min
